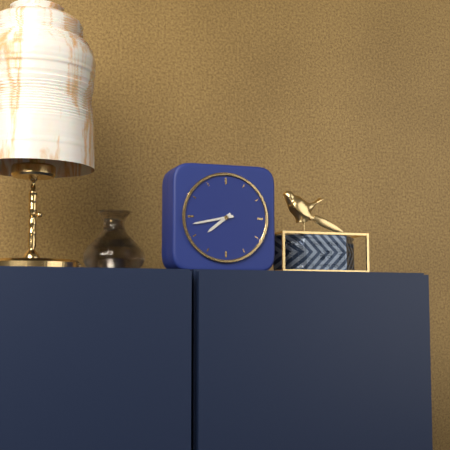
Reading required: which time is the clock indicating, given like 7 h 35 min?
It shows 7 h 43 min
